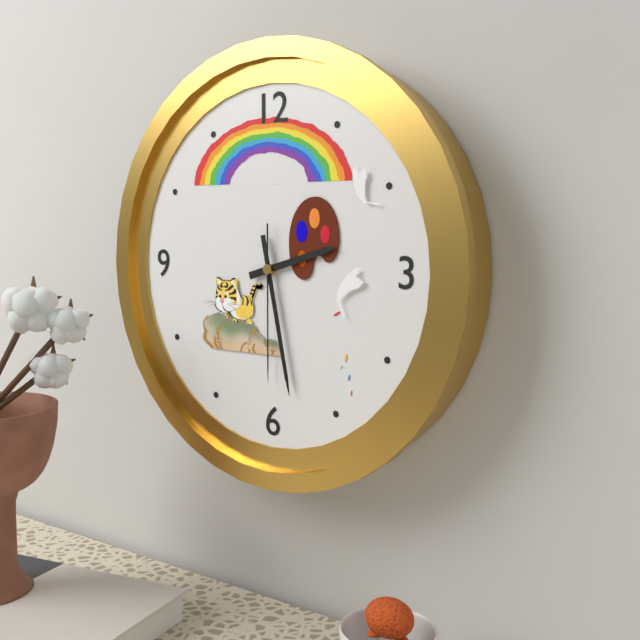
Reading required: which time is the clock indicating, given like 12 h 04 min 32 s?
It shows 2 h 28 min 30 s
